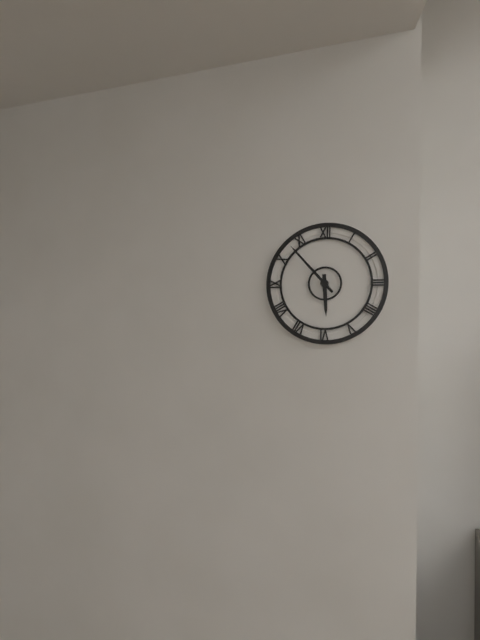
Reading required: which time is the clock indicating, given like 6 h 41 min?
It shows 5 h 53 min
